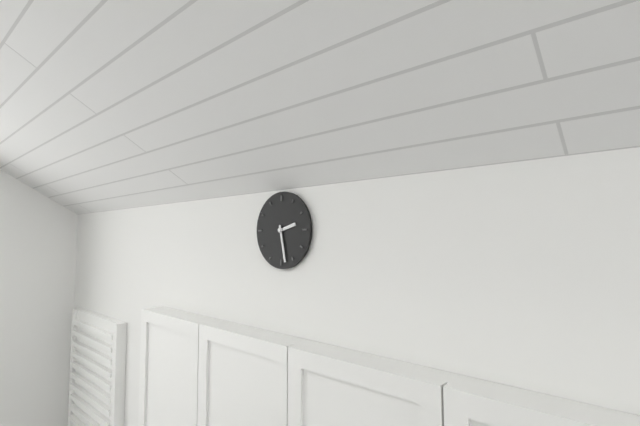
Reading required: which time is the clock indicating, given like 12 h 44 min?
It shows 2 h 28 min
